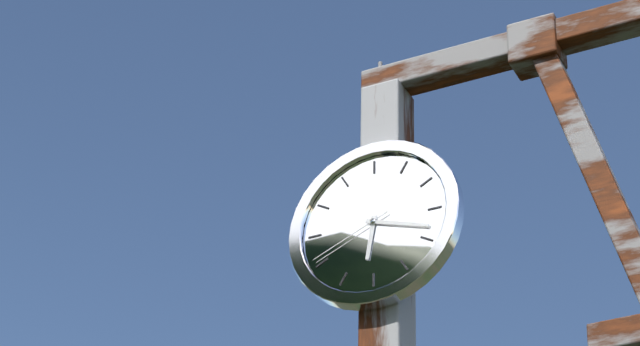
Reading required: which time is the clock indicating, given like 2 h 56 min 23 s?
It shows 6 h 18 min 41 s
